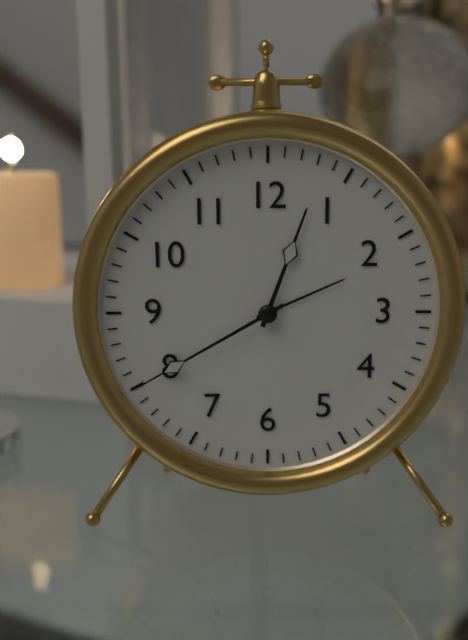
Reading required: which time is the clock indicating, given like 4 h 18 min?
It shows 12 h 40 min
